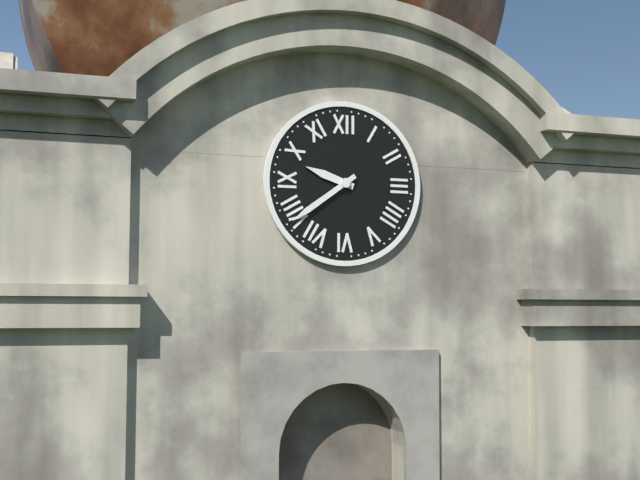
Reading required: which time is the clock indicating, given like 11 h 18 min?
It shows 9 h 39 min
